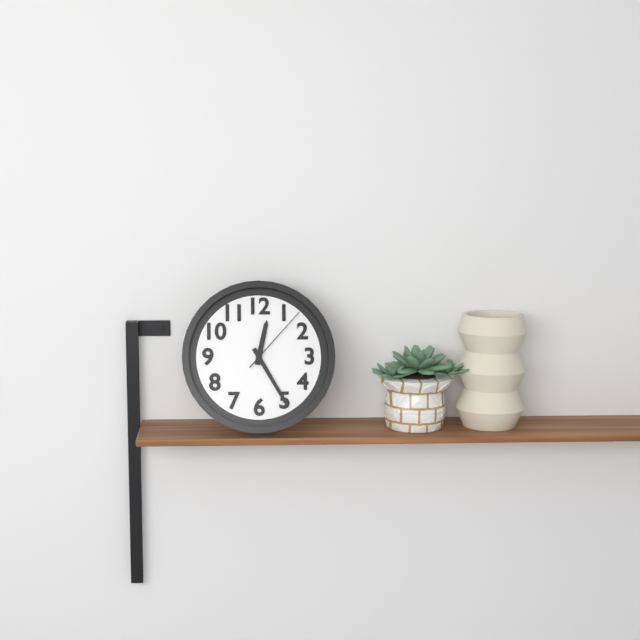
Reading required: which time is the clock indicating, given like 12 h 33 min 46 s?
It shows 12 h 25 min 07 s
